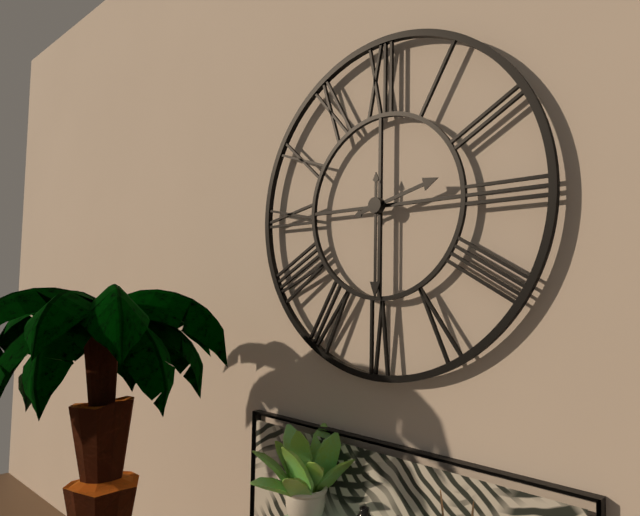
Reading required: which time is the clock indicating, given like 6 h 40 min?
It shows 2 h 30 min
